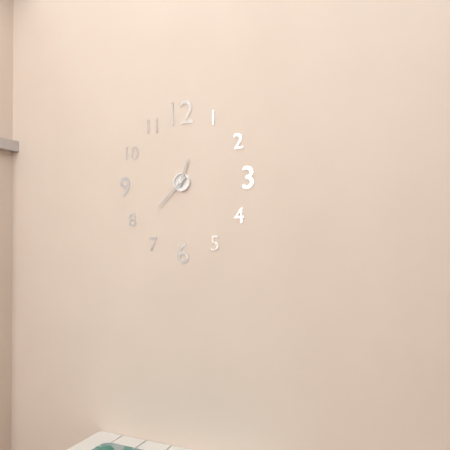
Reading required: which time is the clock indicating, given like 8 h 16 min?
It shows 12 h 38 min
